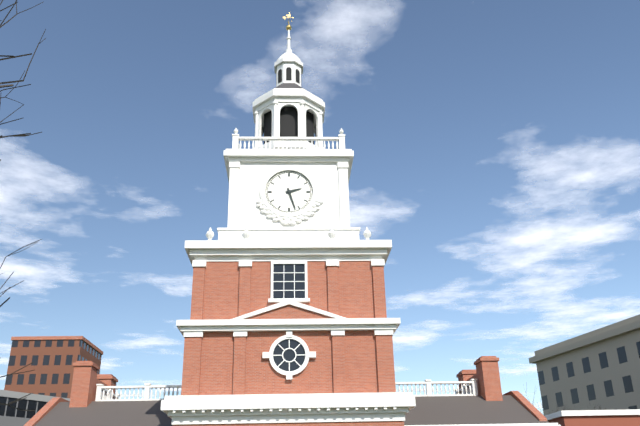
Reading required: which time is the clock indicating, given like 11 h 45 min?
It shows 2 h 27 min
